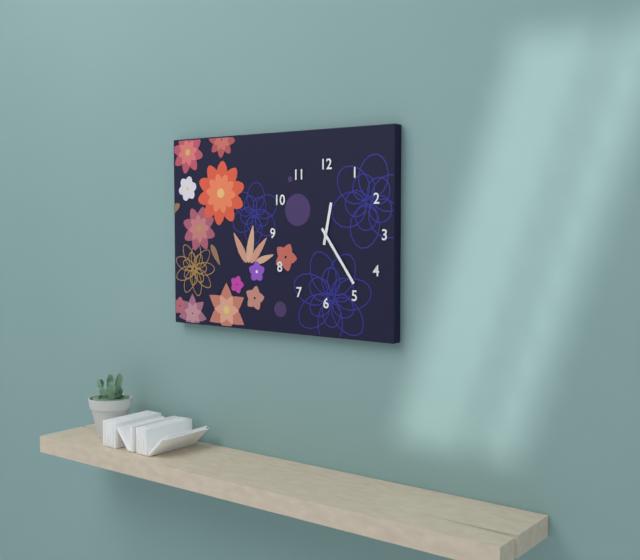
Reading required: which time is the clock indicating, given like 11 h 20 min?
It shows 12 h 24 min
